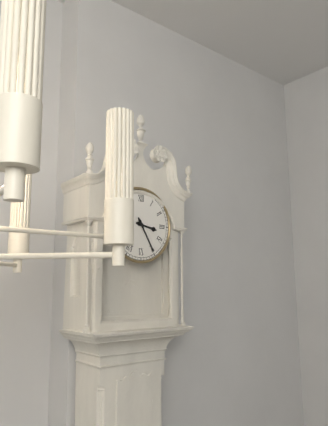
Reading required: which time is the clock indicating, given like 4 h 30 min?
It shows 3 h 25 min
